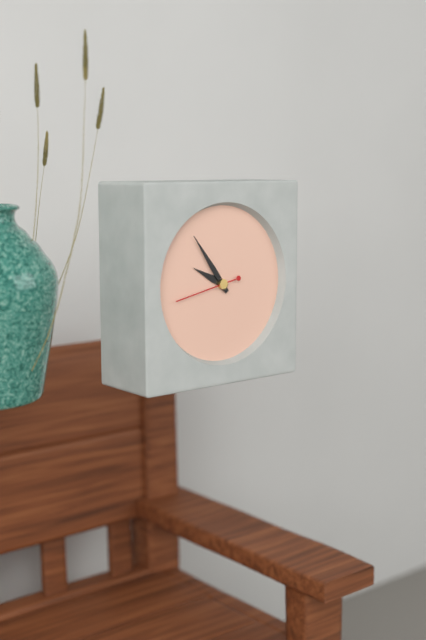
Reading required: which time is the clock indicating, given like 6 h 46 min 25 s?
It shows 9 h 54 min 43 s
